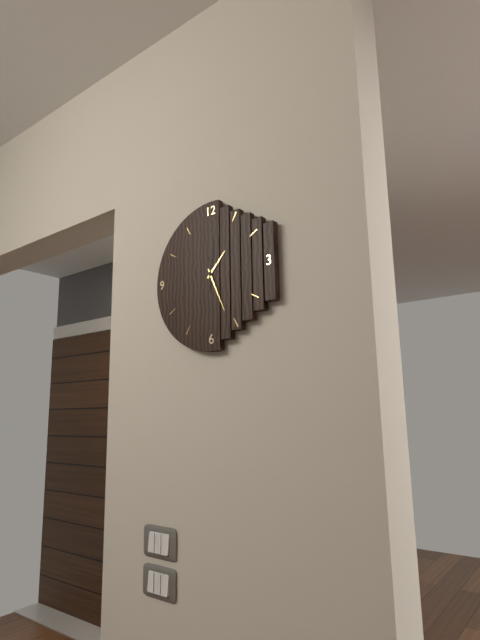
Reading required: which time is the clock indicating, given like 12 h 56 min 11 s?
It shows 1 h 26 min 01 s
